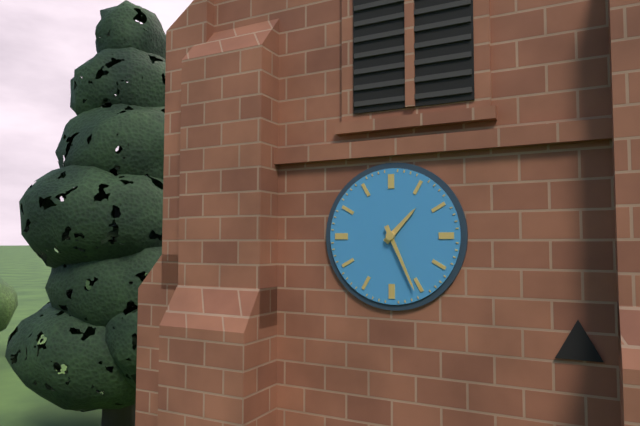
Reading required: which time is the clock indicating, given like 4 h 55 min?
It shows 1 h 26 min
